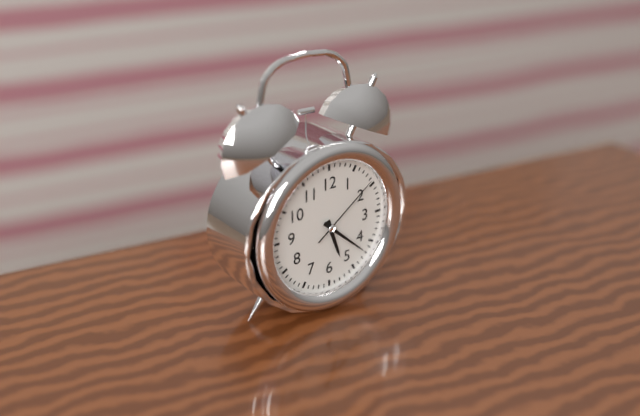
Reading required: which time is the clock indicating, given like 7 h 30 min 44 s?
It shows 5 h 22 min 09 s
